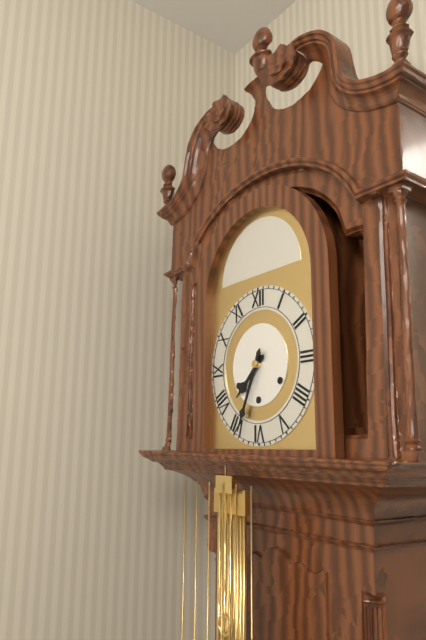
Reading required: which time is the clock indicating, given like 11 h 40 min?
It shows 7 h 34 min
